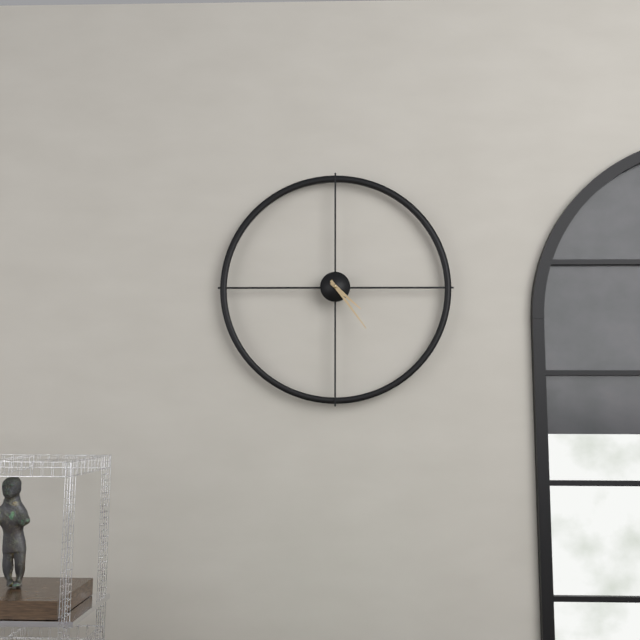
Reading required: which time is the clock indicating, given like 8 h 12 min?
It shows 4 h 24 min
